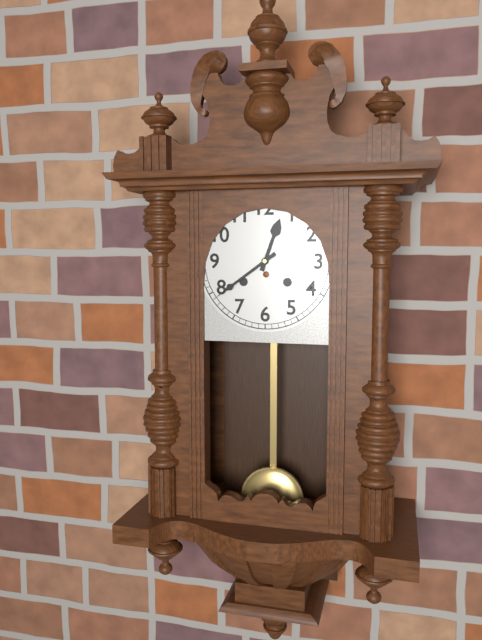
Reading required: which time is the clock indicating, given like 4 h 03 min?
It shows 12 h 39 min
